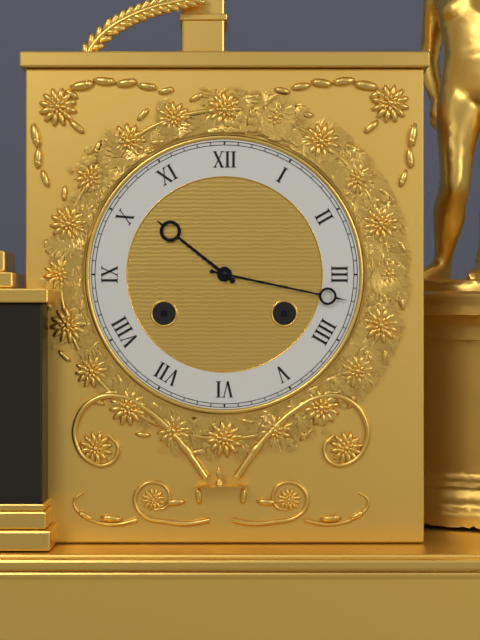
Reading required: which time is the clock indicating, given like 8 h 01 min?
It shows 10 h 17 min
